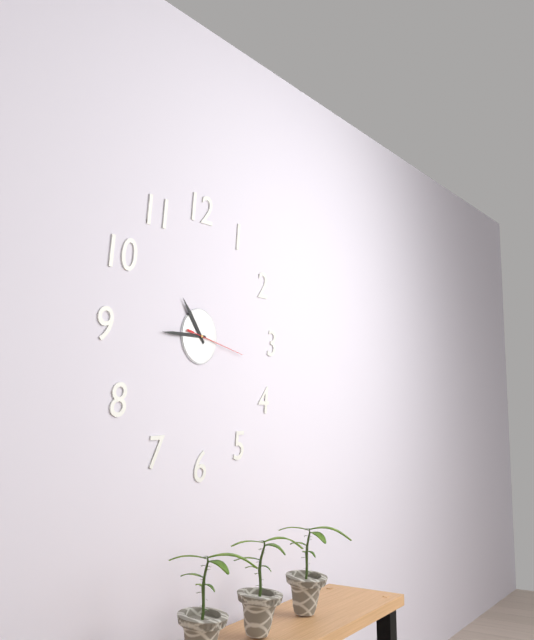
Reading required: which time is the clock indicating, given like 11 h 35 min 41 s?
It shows 10 h 45 min 17 s
